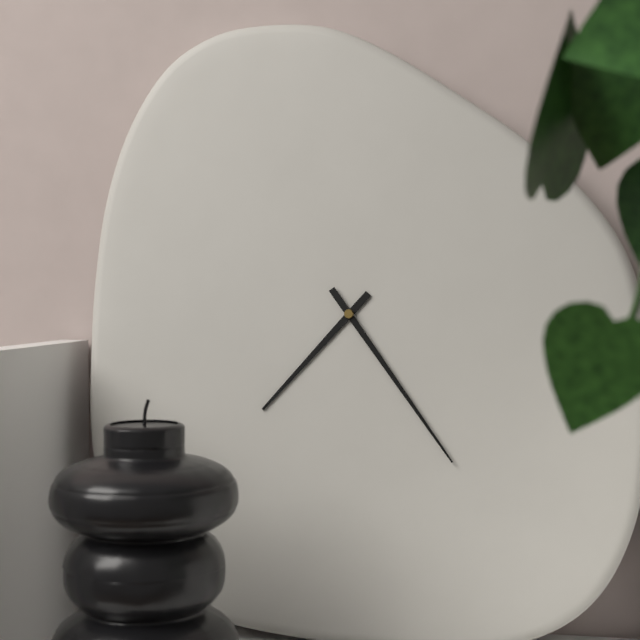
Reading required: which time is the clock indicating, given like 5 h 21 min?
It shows 7 h 24 min
